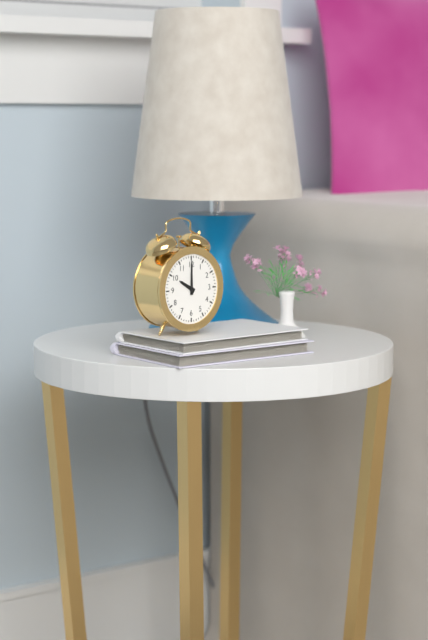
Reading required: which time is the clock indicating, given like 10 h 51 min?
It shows 10 h 00 min
